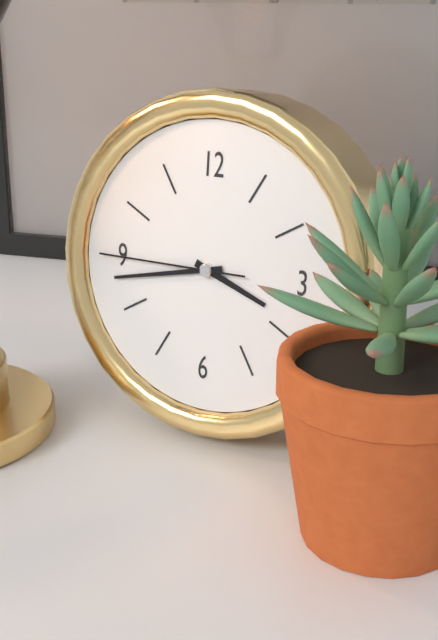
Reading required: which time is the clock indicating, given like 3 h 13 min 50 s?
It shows 3 h 43 min 45 s
